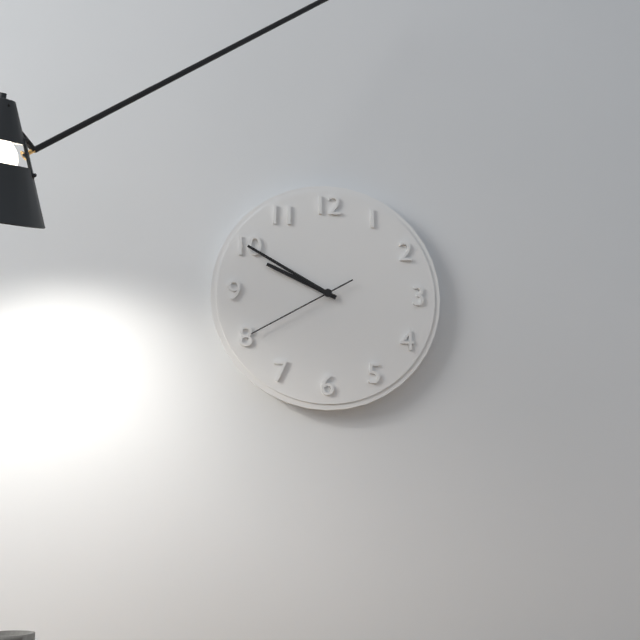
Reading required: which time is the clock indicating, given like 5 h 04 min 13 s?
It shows 9 h 50 min 40 s
